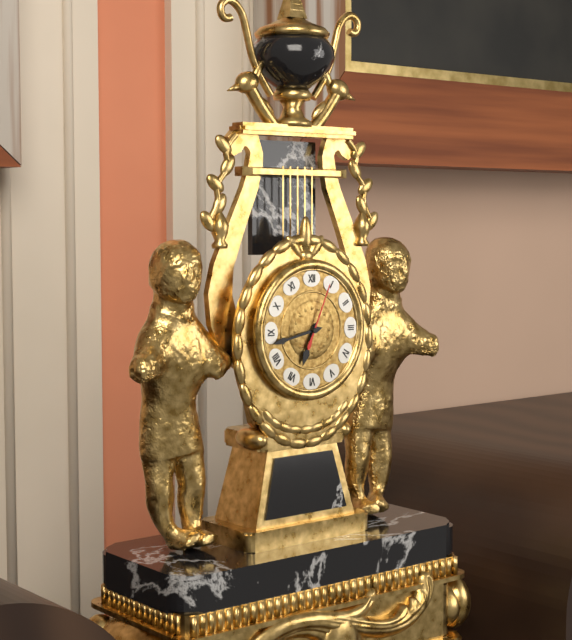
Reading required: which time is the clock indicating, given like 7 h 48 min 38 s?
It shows 6 h 43 min 04 s
